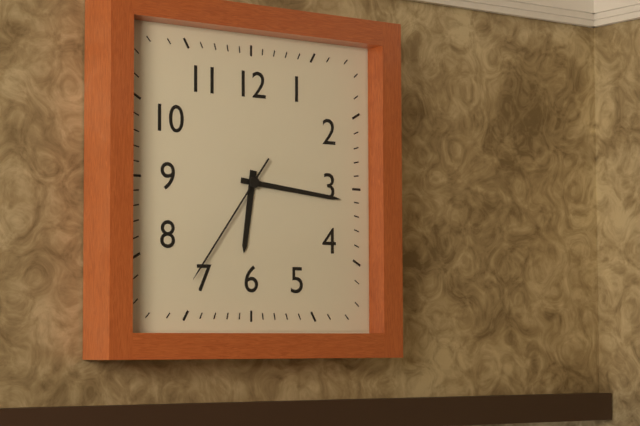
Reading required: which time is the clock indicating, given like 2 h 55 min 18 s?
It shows 6 h 16 min 36 s
